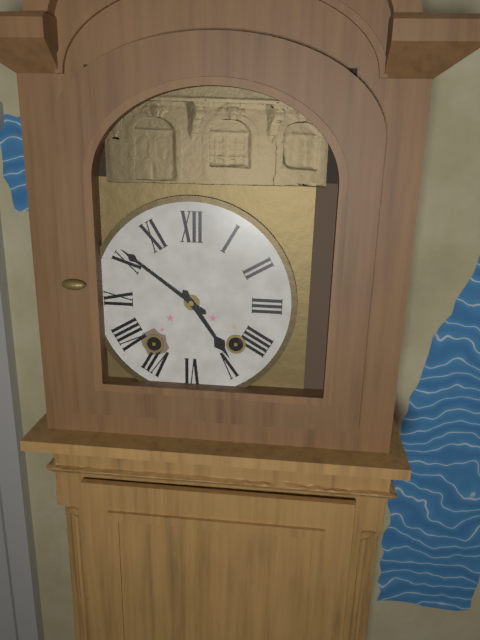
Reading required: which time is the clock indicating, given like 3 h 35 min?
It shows 4 h 51 min
